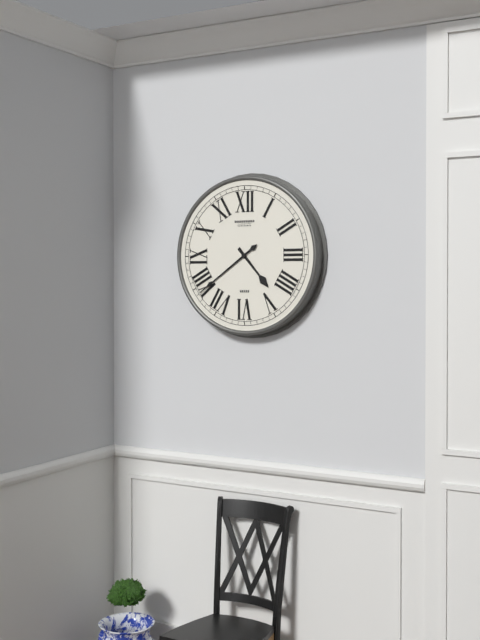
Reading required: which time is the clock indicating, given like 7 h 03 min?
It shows 4 h 39 min
